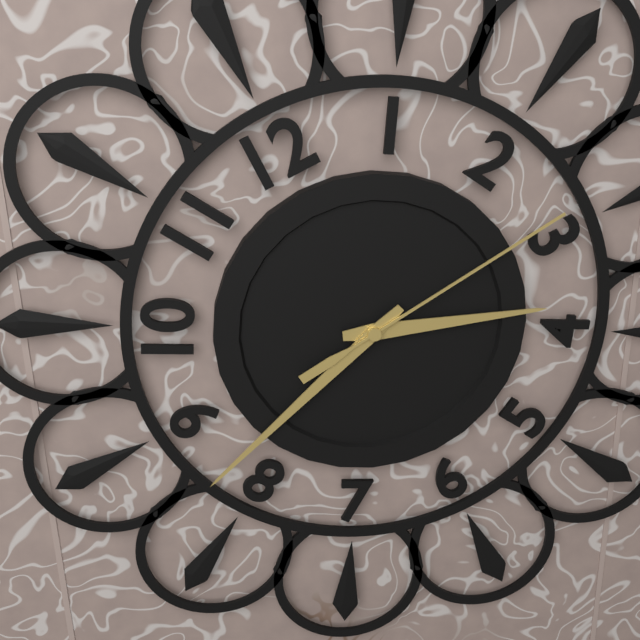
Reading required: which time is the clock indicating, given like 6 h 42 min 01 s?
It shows 3 h 42 min 14 s
